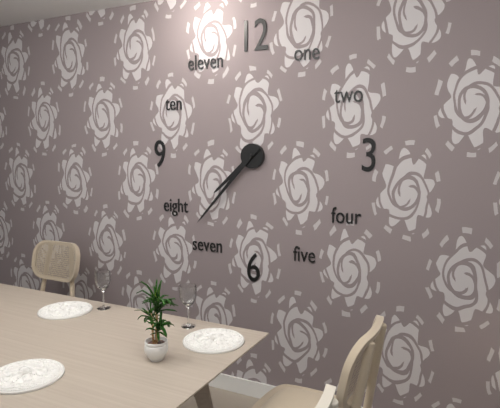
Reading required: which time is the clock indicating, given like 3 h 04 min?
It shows 7 h 37 min
